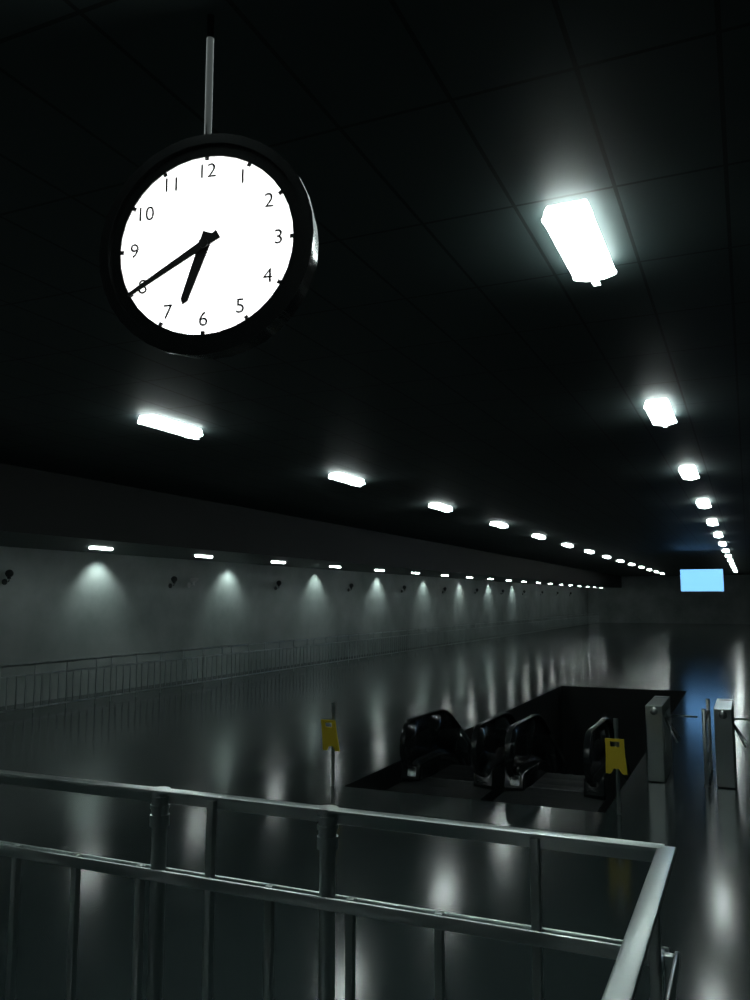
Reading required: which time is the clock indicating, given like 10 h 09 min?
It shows 6 h 40 min
